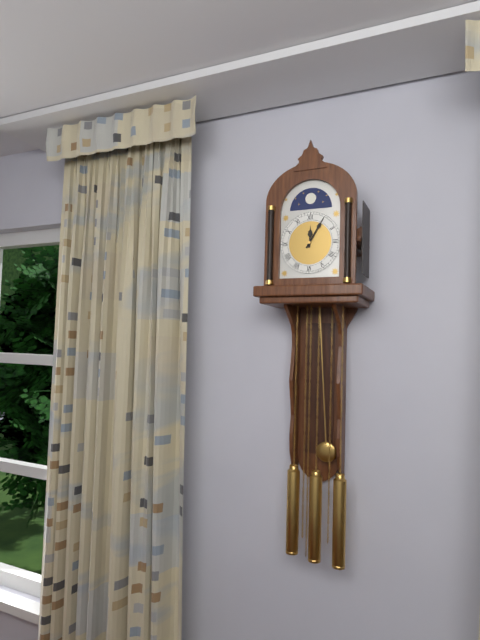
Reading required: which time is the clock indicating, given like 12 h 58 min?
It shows 12 h 05 min
